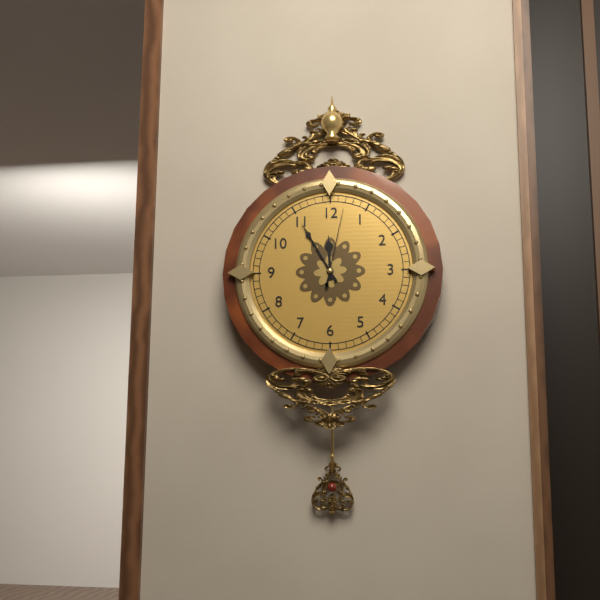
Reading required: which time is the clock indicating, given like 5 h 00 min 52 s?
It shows 11 h 55 min 02 s
